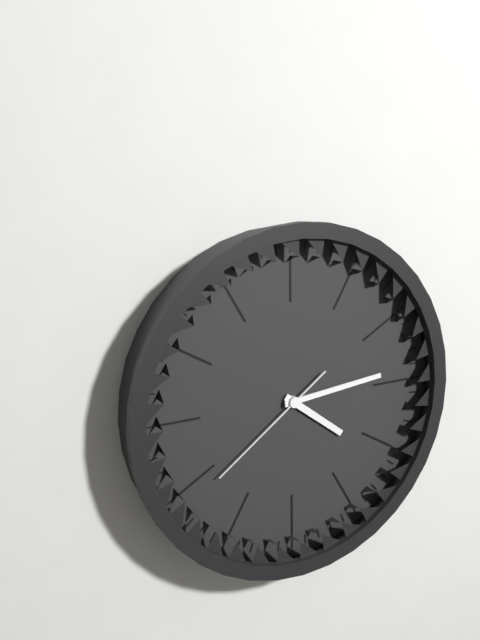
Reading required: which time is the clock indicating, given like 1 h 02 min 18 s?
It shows 4 h 14 min 39 s
